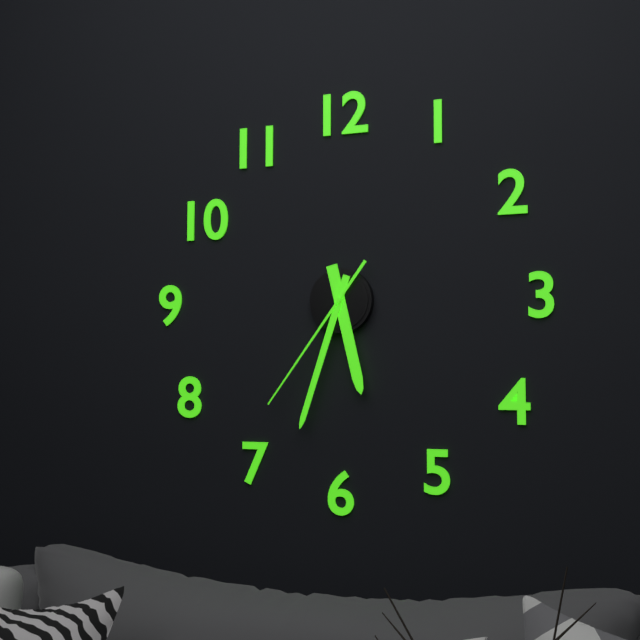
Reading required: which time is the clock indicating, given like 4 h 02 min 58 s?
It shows 5 h 33 min 36 s
